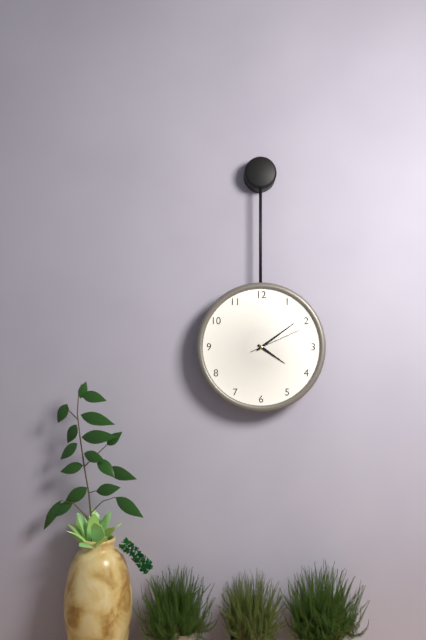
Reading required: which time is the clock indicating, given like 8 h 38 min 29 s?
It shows 4 h 09 min 11 s
